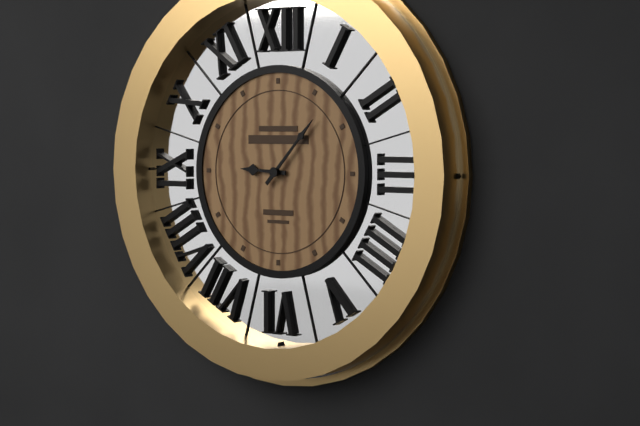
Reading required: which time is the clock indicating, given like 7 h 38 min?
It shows 9 h 07 min
